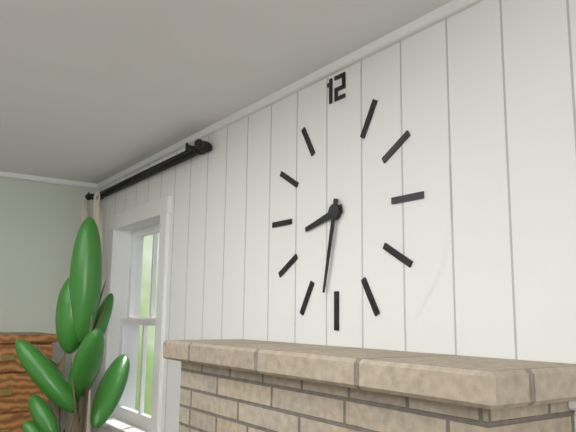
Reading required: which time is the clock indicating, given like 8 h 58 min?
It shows 8 h 32 min
